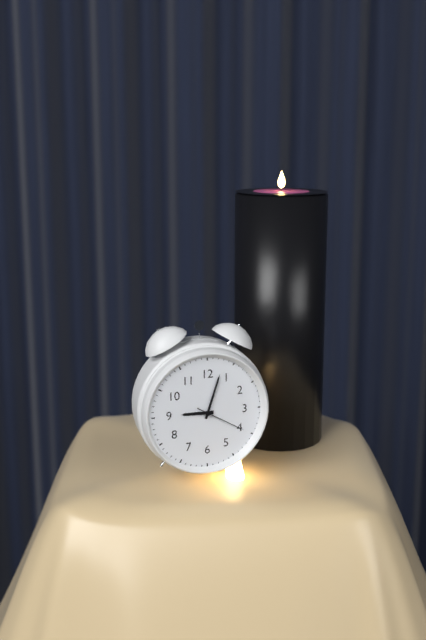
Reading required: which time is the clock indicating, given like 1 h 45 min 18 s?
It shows 9 h 03 min 20 s
